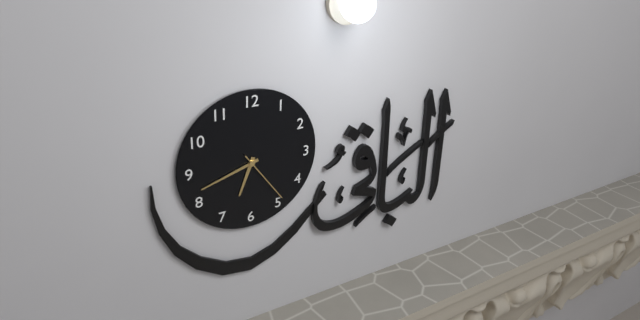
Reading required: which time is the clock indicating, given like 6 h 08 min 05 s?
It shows 6 h 42 min 24 s
